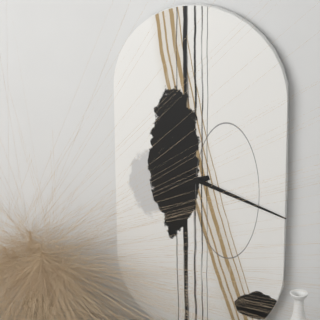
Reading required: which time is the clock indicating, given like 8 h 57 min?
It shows 8 h 18 min
